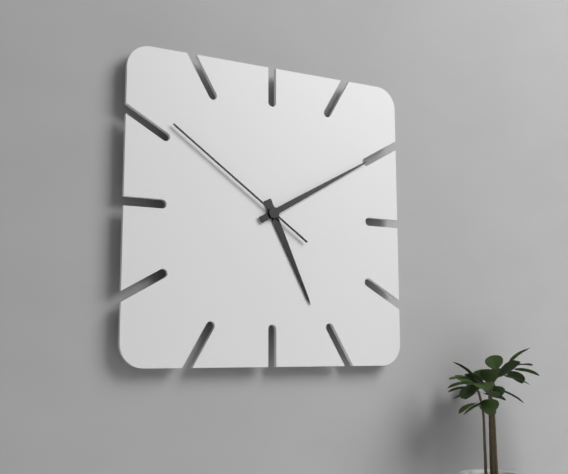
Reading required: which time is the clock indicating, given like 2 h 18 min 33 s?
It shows 5 h 10 min 51 s
